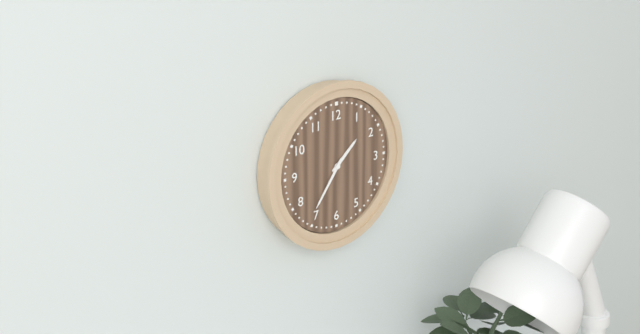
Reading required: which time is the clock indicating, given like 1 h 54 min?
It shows 1 h 36 min
